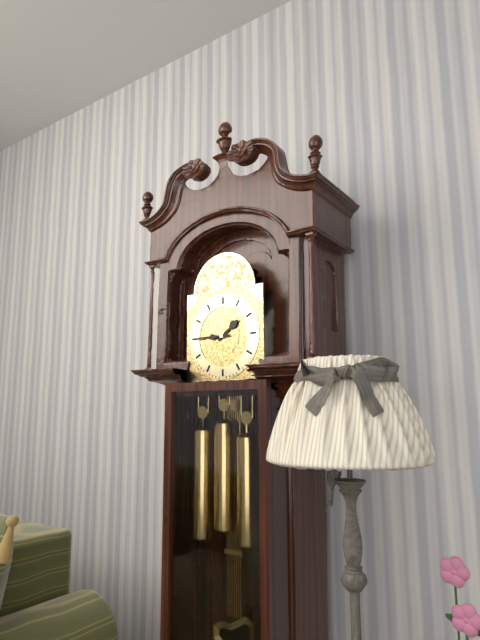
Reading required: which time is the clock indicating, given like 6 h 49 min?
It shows 1 h 45 min
